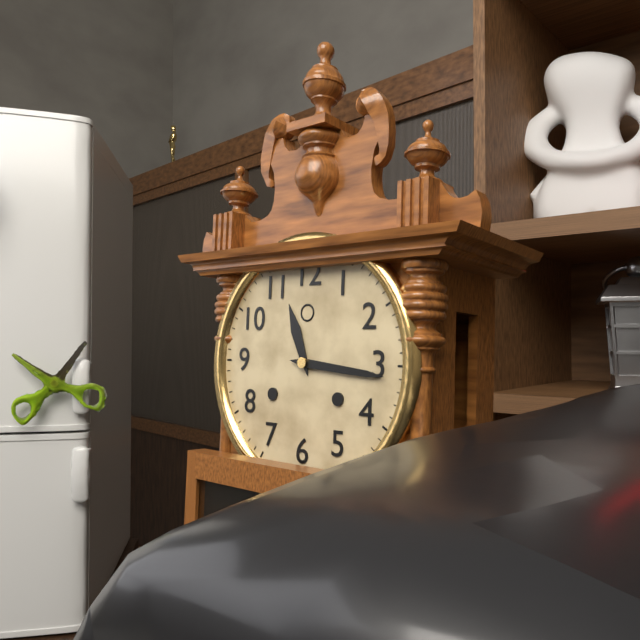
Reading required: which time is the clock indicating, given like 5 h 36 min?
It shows 11 h 16 min
